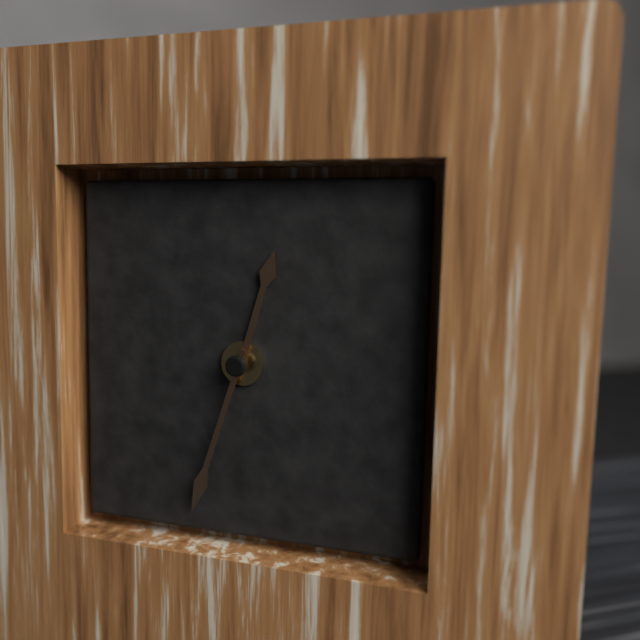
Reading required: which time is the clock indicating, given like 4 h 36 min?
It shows 12 h 33 min
